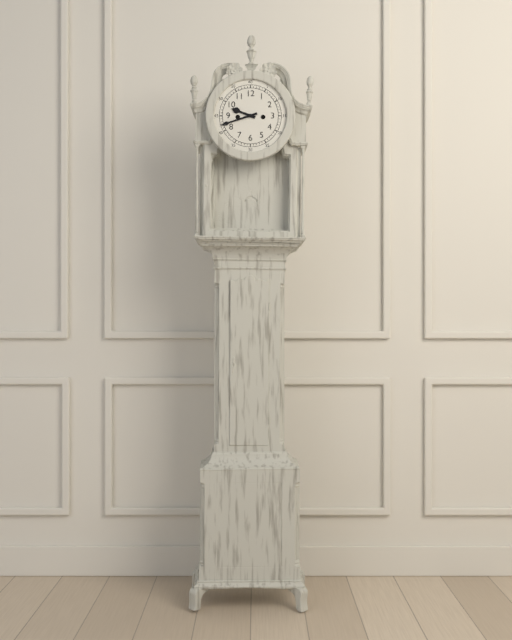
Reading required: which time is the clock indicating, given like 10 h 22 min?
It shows 9 h 42 min
